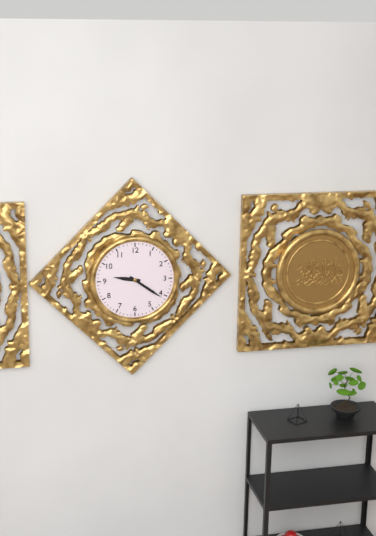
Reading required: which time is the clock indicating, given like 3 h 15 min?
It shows 9 h 21 min
